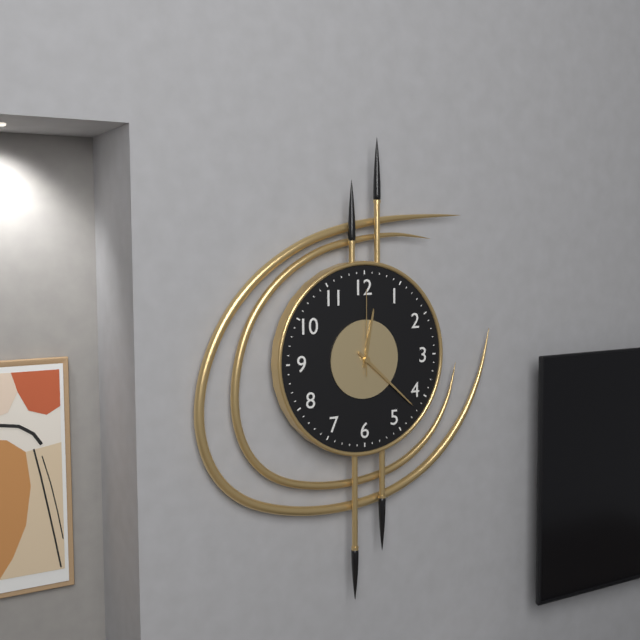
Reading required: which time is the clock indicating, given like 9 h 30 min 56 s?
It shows 12 h 22 min 00 s
